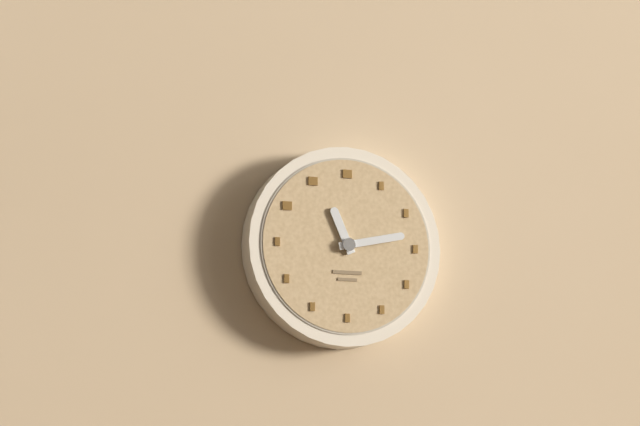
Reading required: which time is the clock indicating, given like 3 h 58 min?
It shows 11 h 13 min
